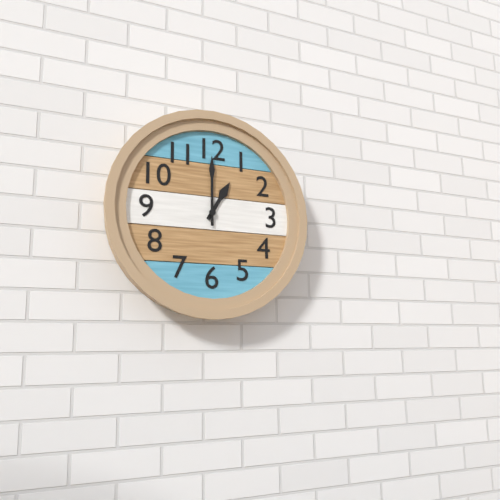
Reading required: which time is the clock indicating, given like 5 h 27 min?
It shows 1 h 00 min
